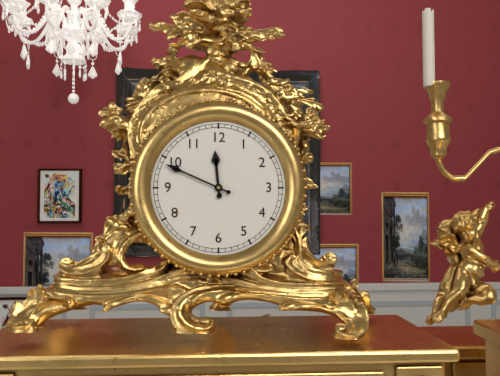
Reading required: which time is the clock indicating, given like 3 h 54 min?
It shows 11 h 49 min
